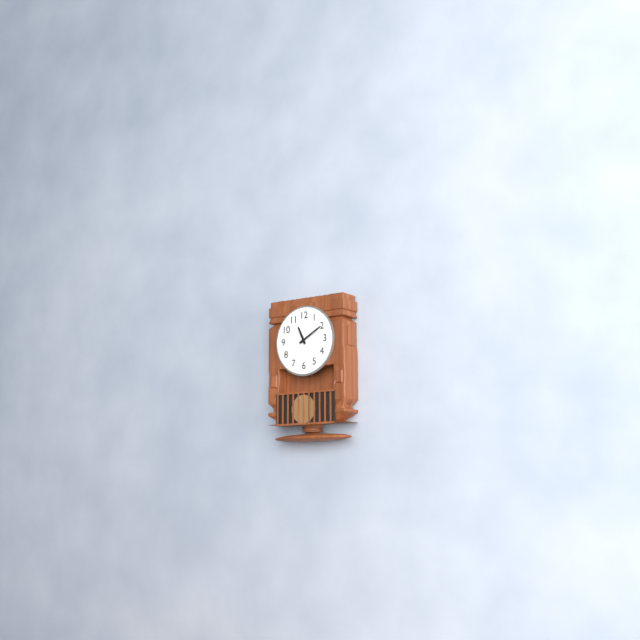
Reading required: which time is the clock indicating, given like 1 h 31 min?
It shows 11 h 10 min
